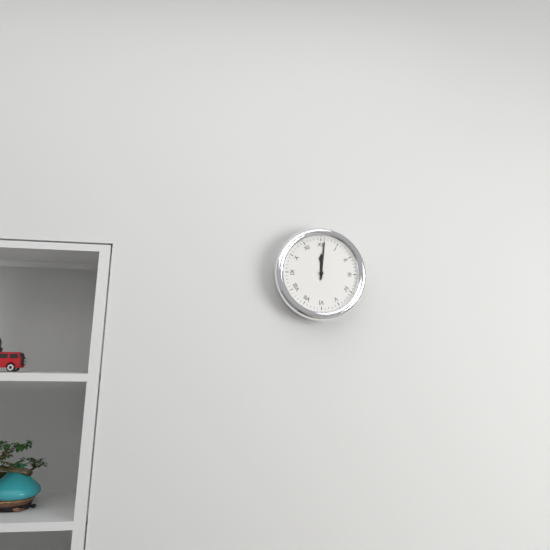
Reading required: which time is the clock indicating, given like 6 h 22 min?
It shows 12 h 01 min
